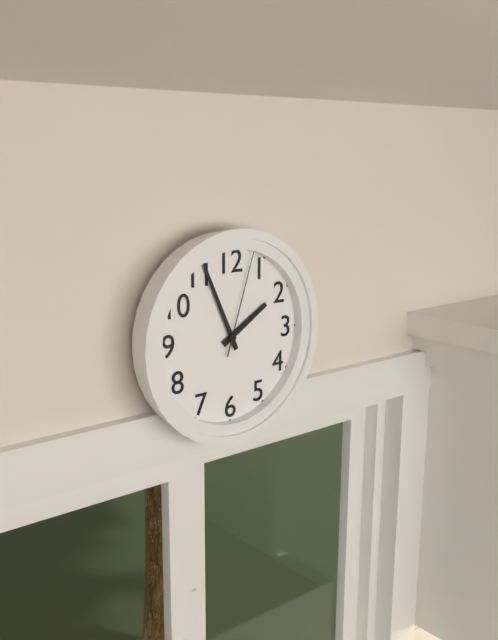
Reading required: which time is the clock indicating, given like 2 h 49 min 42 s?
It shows 1 h 56 min 03 s
